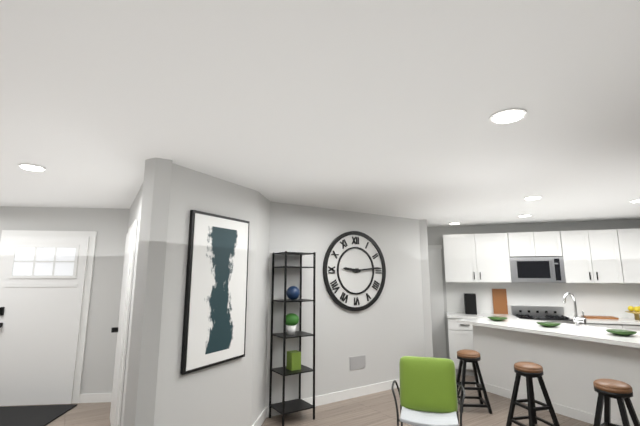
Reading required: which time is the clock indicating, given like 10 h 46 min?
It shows 9 h 14 min
